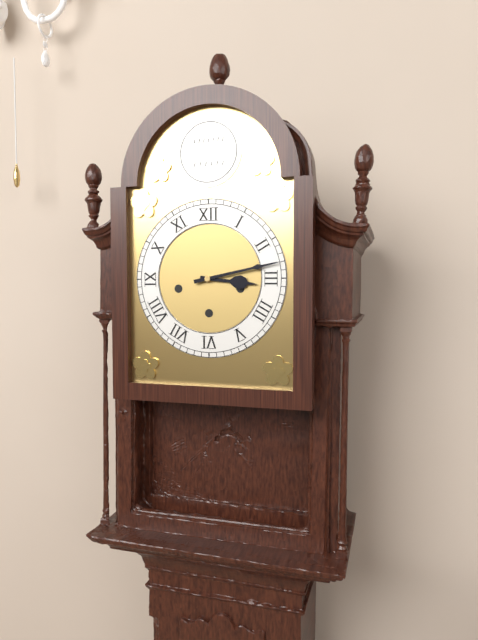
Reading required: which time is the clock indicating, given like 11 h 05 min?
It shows 3 h 13 min
